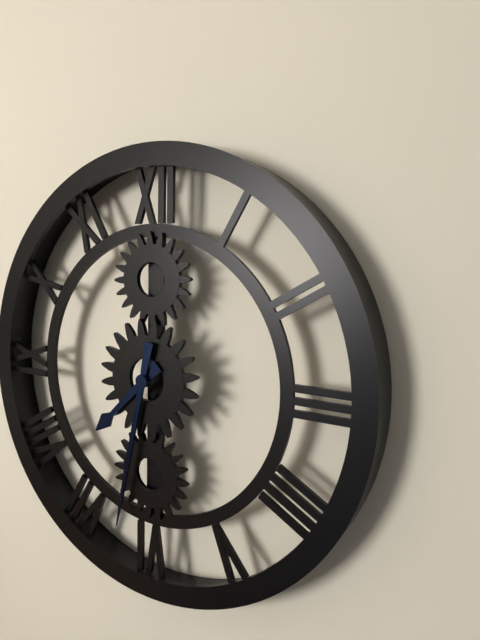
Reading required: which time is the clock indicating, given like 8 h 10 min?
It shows 7 h 32 min
